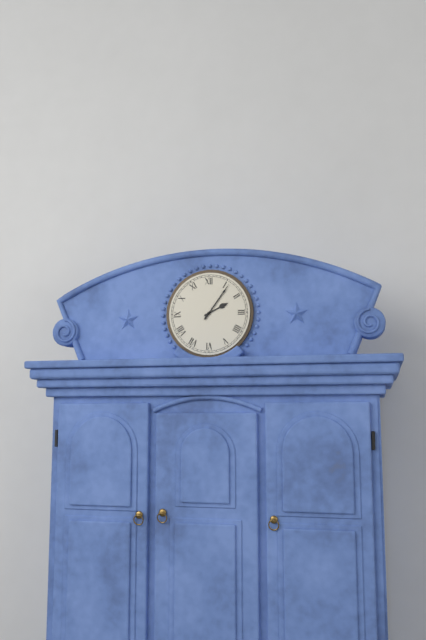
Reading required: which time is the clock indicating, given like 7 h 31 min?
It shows 2 h 06 min
